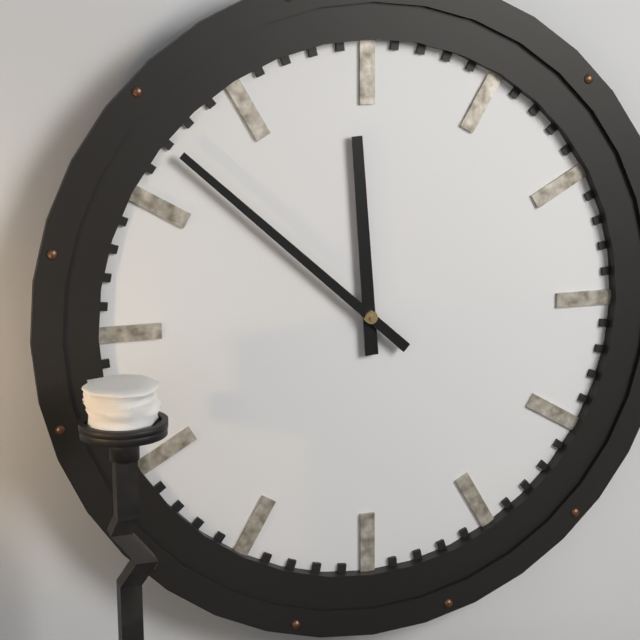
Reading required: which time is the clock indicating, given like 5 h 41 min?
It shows 11 h 52 min
